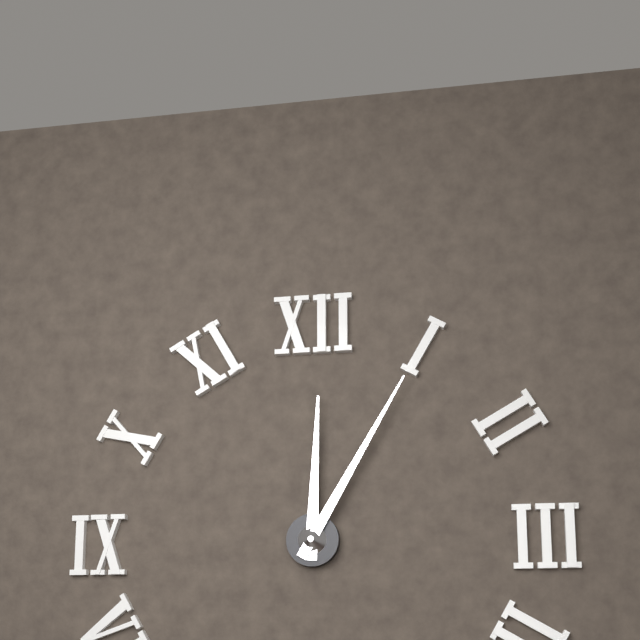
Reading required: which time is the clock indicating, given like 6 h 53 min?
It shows 12 h 05 min
